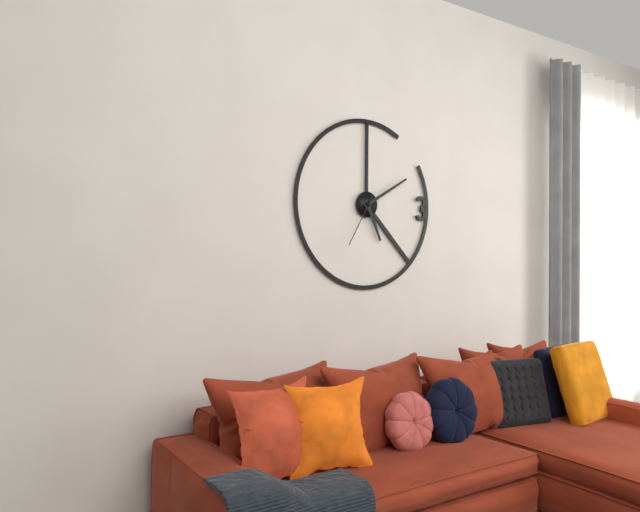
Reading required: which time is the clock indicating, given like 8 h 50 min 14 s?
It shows 5 h 10 min 35 s
